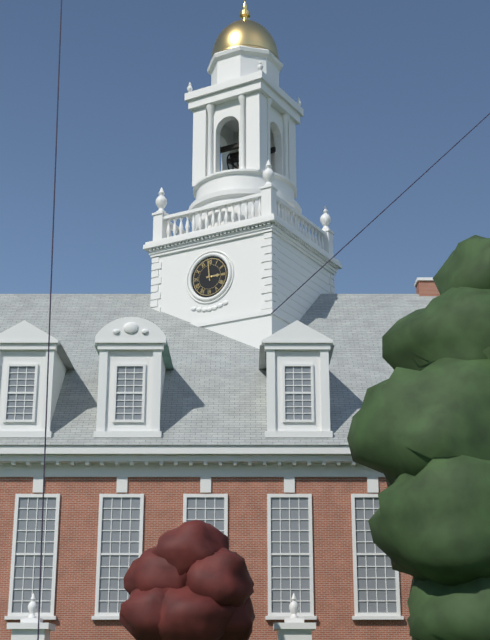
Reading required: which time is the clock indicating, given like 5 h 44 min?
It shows 2 h 59 min
